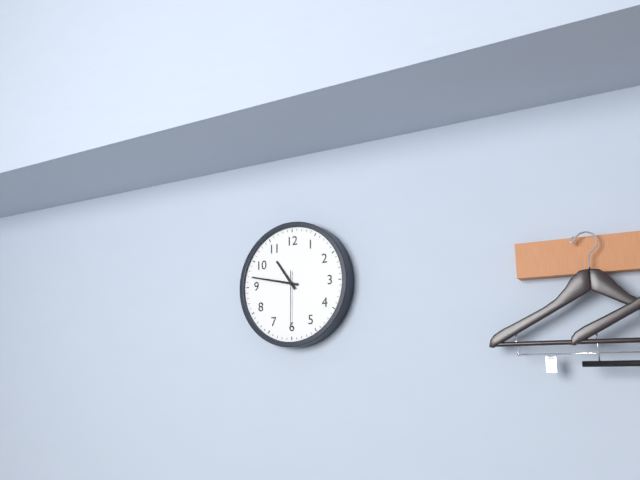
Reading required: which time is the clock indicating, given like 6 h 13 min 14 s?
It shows 10 h 47 min 30 s
